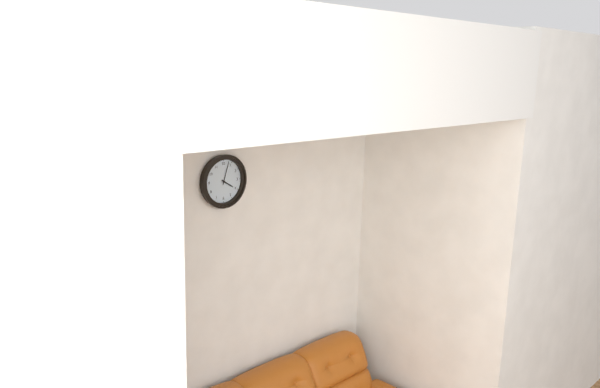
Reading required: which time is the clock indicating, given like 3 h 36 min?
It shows 4 h 03 min
